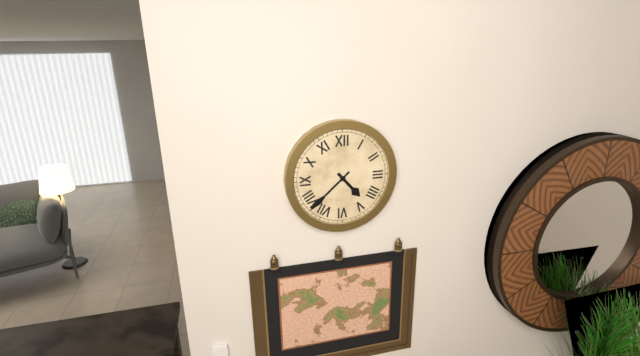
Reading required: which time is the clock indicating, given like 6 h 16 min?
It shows 4 h 38 min
